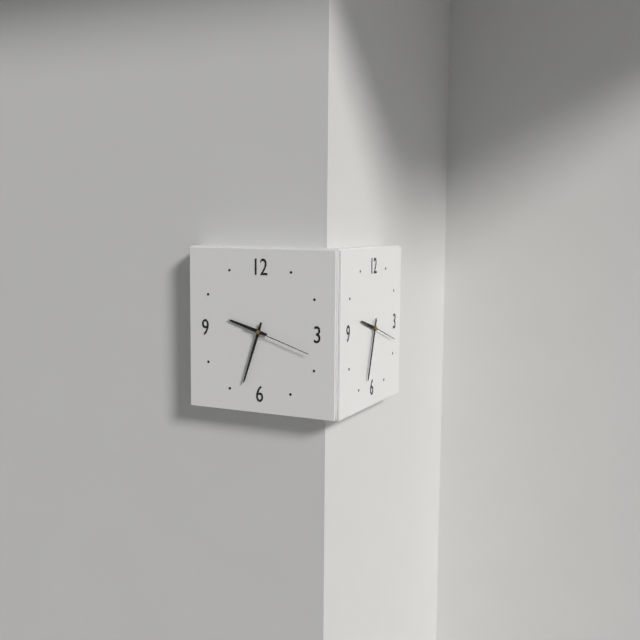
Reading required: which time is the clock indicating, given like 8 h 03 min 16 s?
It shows 9 h 33 min 18 s
